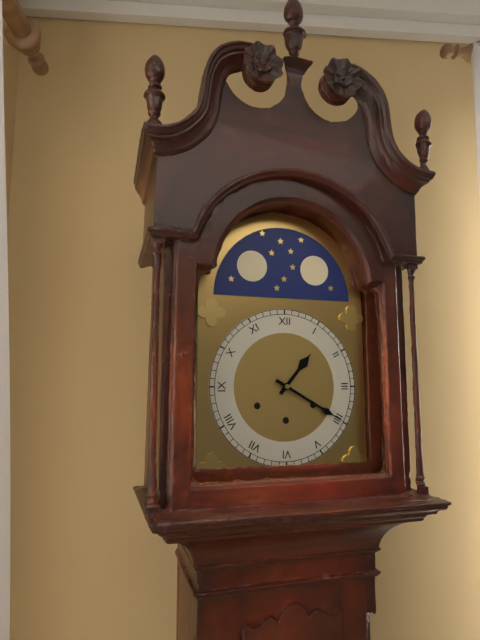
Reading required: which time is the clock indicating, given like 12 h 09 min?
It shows 1 h 20 min
